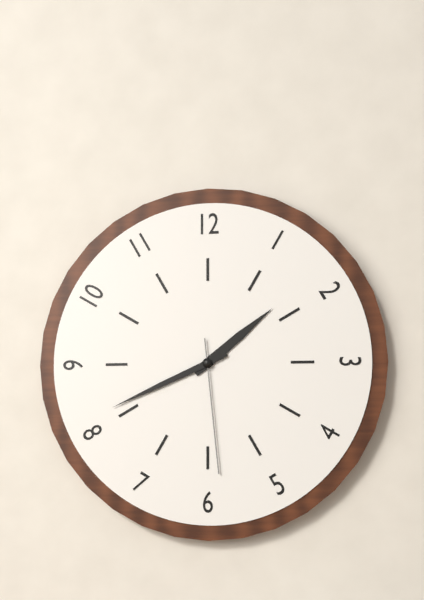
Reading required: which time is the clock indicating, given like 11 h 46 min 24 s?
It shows 1 h 41 min 29 s
